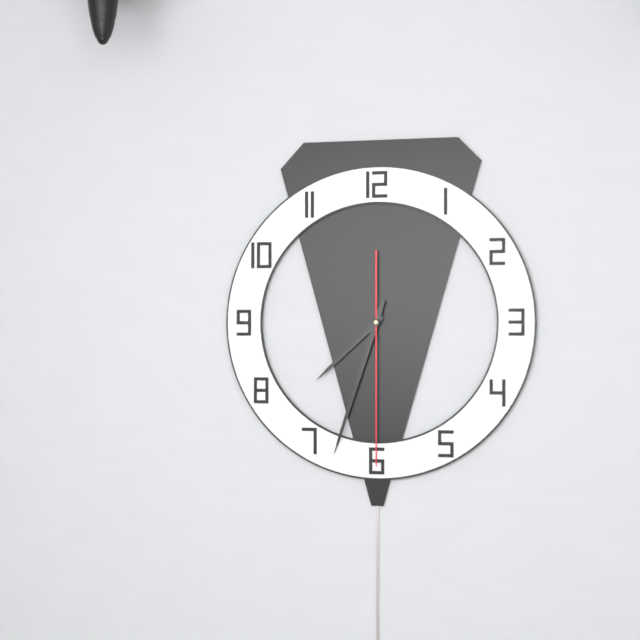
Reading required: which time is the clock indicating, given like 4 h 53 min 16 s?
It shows 7 h 33 min 30 s
